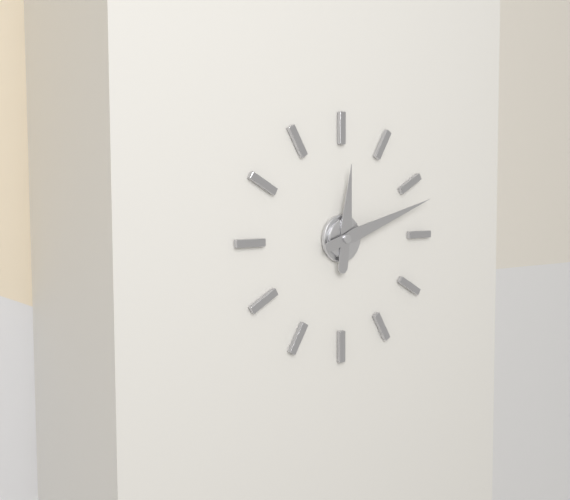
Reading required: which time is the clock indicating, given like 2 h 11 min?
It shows 12 h 12 min
